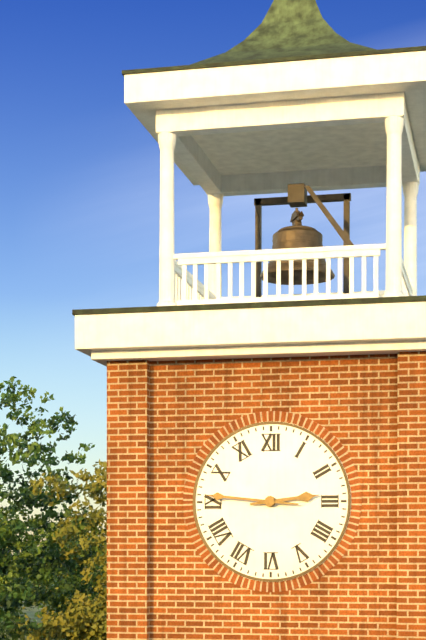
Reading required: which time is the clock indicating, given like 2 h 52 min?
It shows 2 h 46 min
